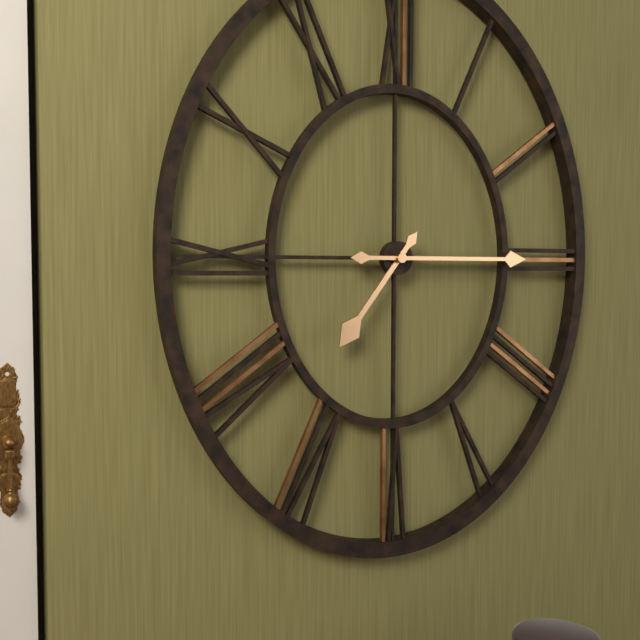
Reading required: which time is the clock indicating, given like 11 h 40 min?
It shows 7 h 15 min
